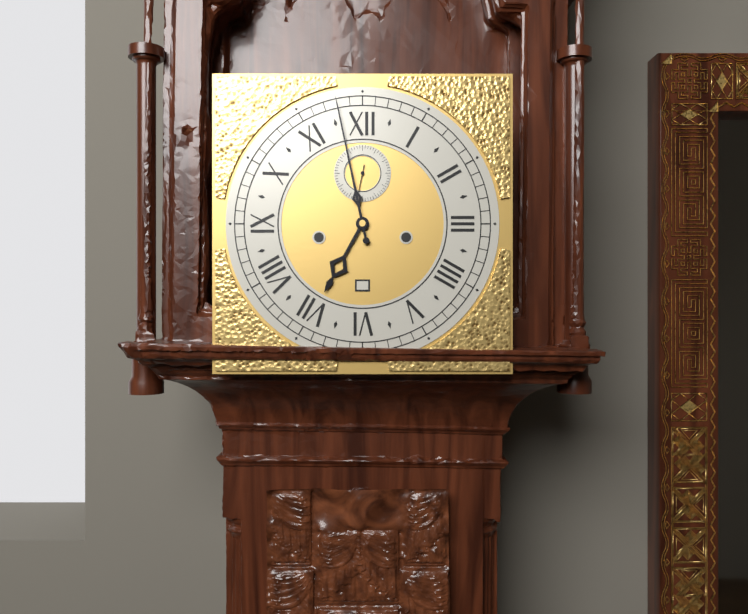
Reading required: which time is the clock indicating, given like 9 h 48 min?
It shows 6 h 58 min
